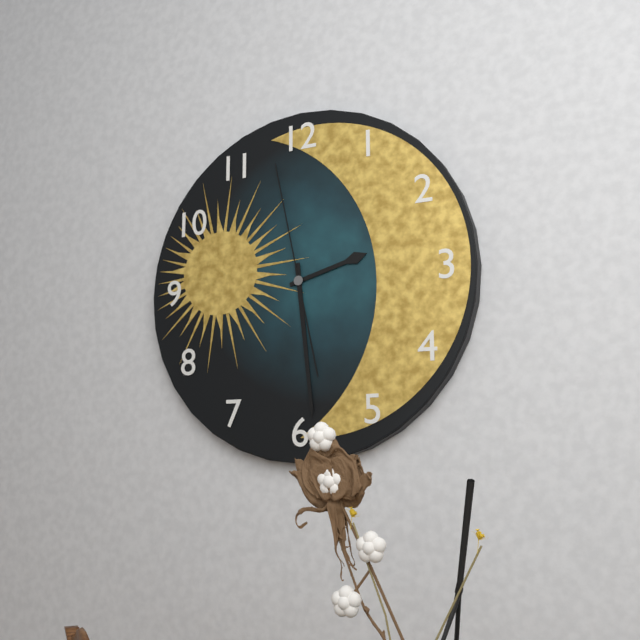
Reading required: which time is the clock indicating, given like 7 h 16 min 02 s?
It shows 2 h 29 min 58 s
